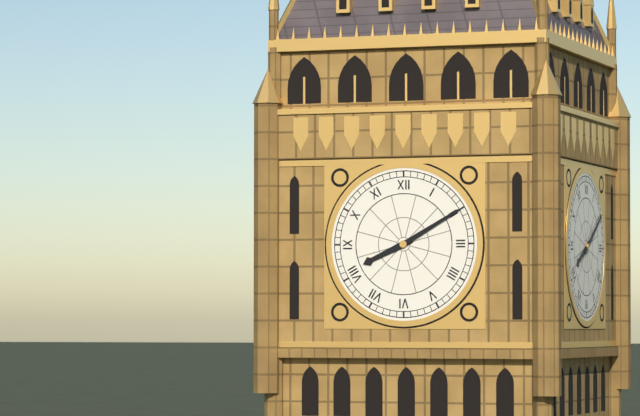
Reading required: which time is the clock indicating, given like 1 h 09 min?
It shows 8 h 10 min
